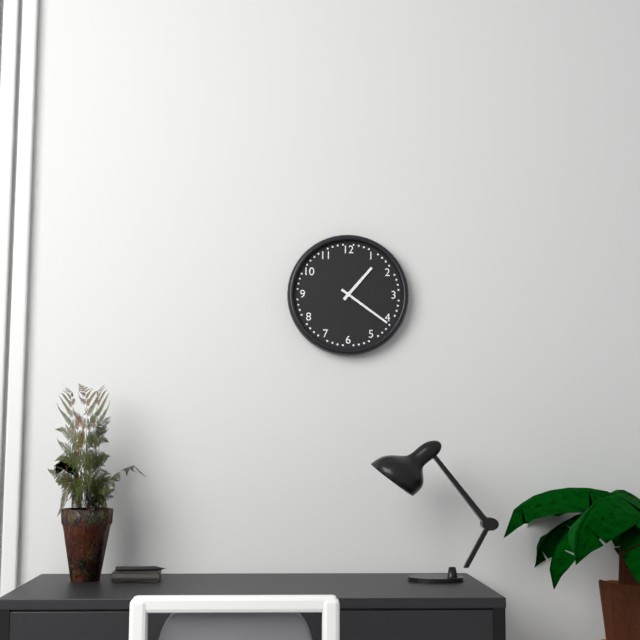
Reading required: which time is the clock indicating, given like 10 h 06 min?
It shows 1 h 21 min
